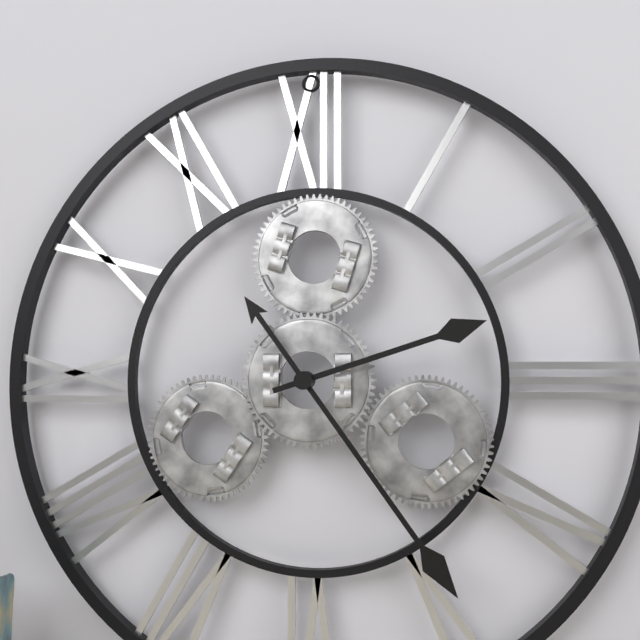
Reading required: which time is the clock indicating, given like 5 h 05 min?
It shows 2 h 24 min
